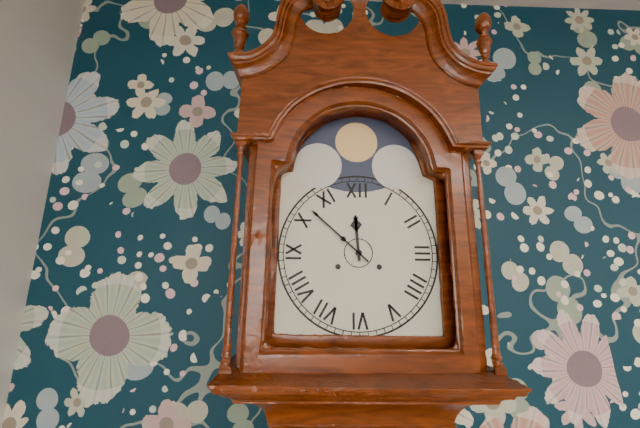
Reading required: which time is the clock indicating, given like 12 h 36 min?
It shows 11 h 52 min
